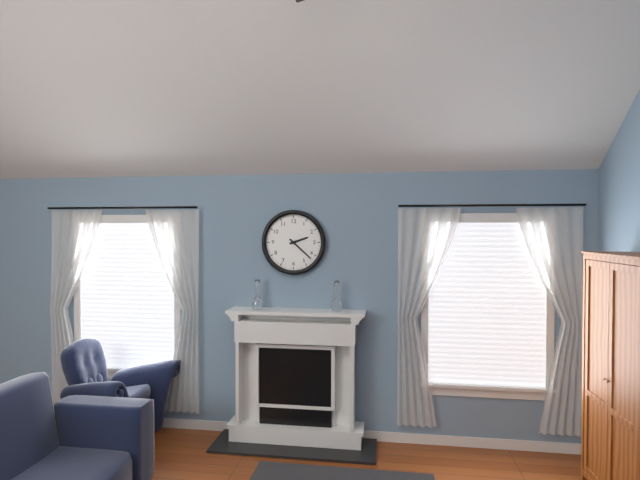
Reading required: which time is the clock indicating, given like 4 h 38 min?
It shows 2 h 22 min
